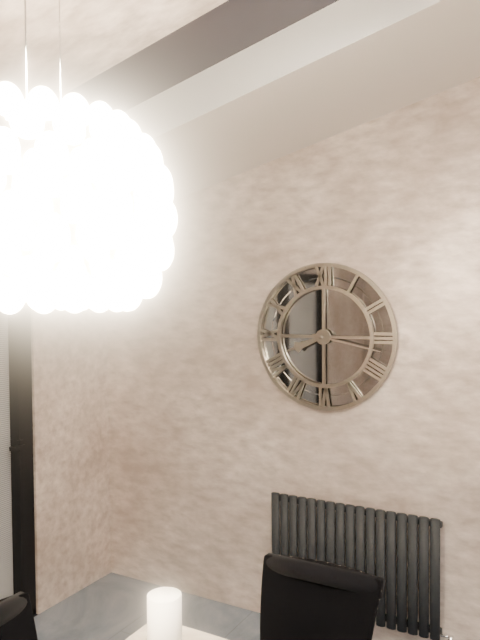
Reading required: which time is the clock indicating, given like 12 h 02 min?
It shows 8 h 17 min
